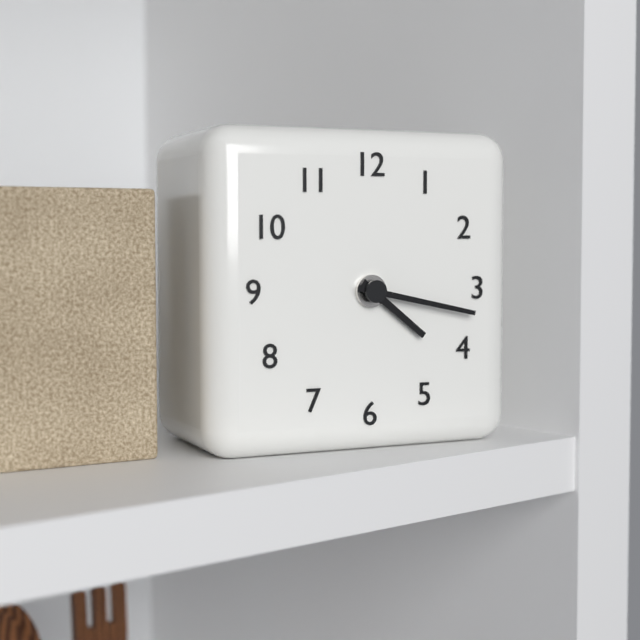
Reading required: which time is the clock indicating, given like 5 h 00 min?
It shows 4 h 17 min
